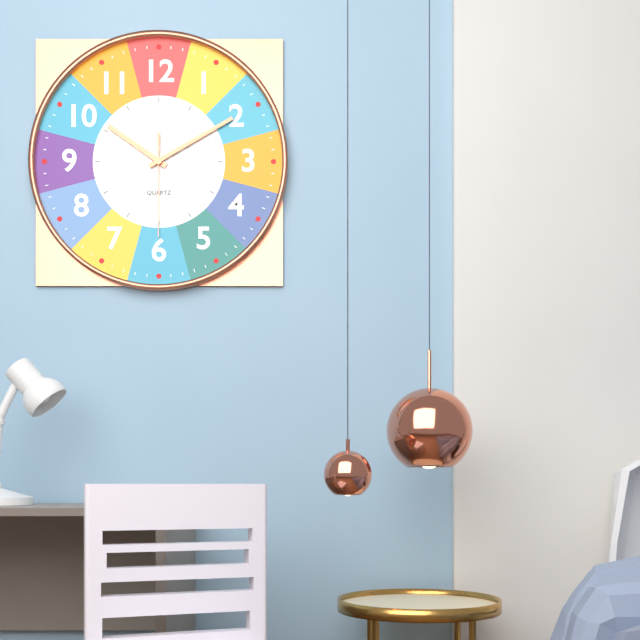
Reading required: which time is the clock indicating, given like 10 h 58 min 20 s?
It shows 10 h 10 min 30 s
